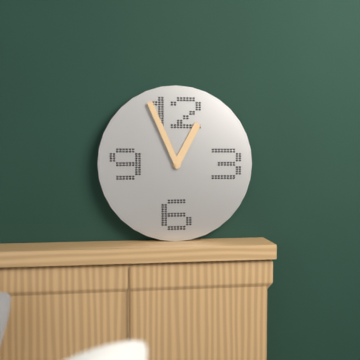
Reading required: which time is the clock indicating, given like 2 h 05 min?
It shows 12 h 56 min
